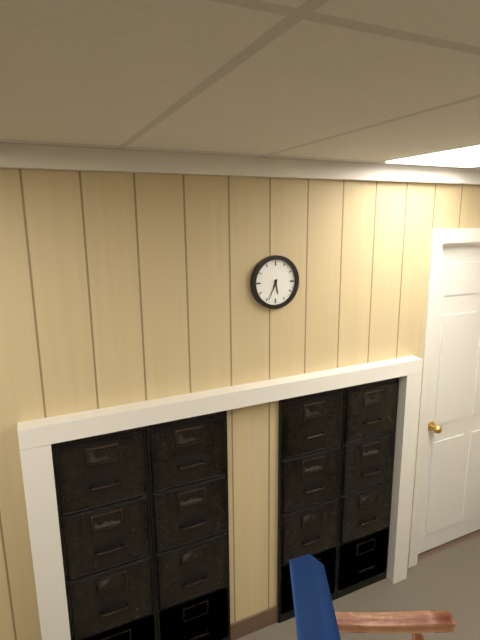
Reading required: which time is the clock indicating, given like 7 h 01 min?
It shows 5 h 34 min
